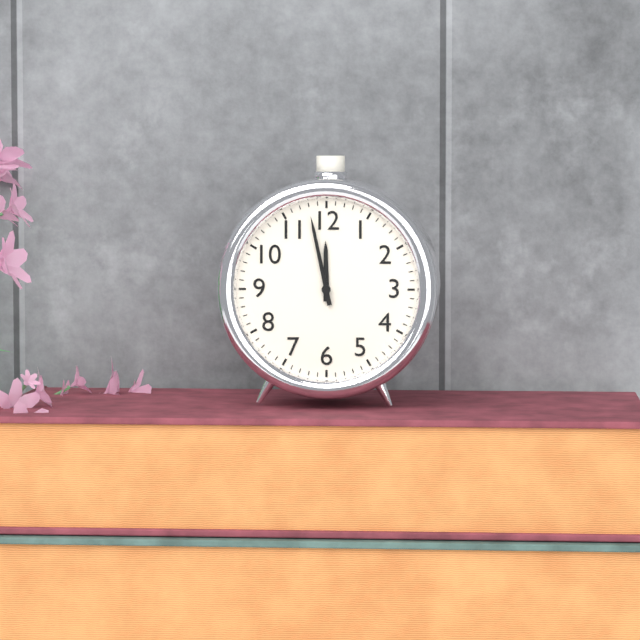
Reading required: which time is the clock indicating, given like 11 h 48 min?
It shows 11 h 58 min
